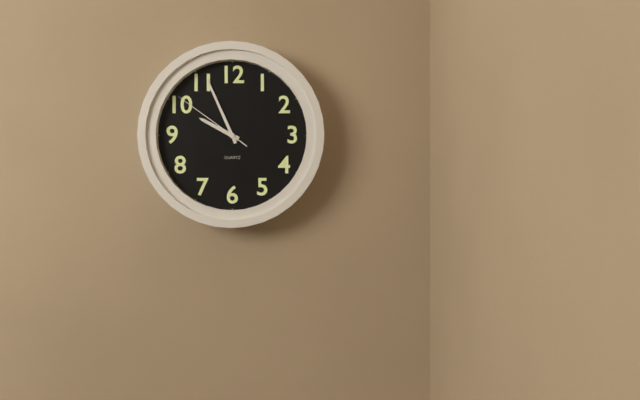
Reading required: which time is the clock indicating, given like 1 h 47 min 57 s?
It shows 9 h 56 min 51 s
